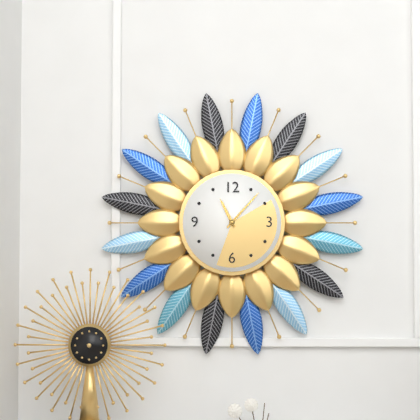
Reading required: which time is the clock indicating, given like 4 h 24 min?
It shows 11 h 07 min
